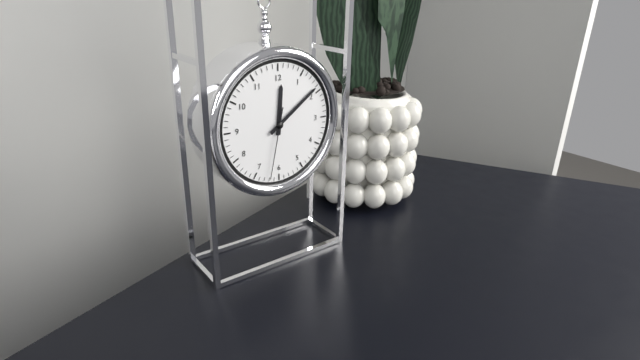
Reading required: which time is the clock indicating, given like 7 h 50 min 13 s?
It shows 12 h 09 min 32 s
